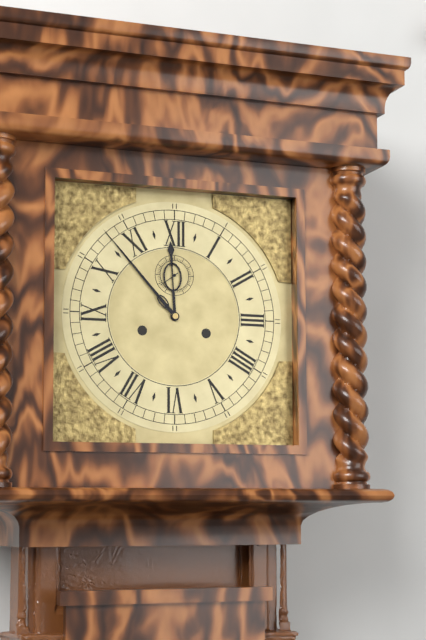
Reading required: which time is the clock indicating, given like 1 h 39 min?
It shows 11 h 53 min
